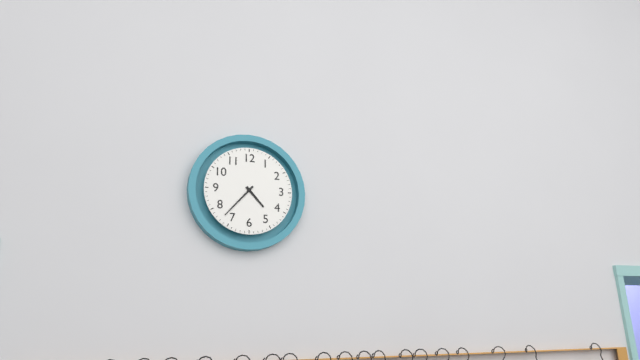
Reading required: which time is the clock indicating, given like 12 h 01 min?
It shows 4 h 37 min
